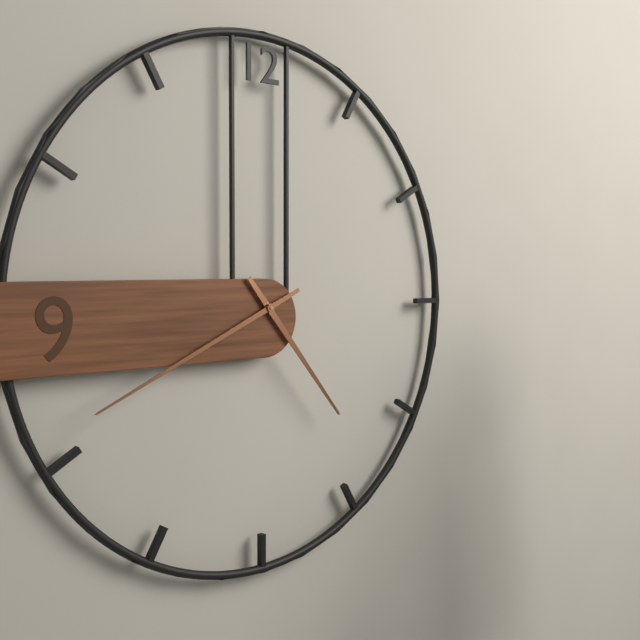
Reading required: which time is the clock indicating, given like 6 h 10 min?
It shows 4 h 41 min
